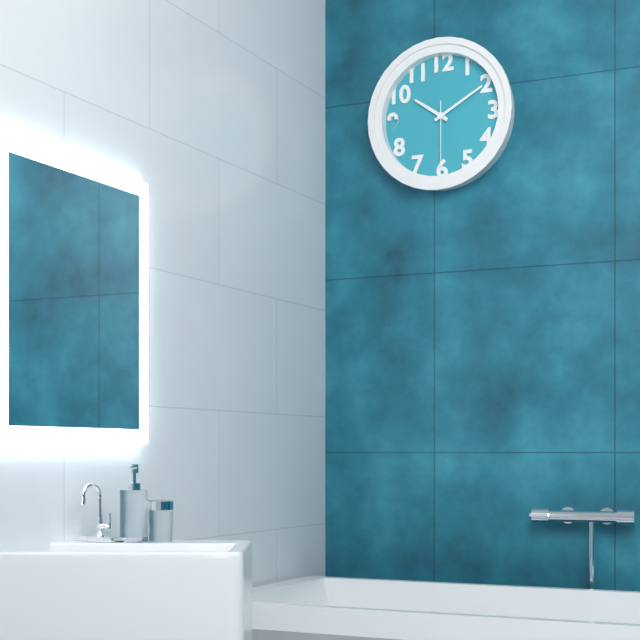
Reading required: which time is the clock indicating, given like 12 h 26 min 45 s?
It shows 10 h 10 min 30 s
